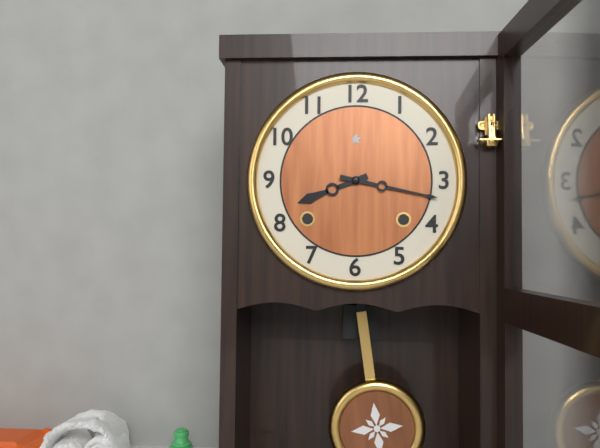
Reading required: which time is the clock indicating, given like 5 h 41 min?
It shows 8 h 17 min
